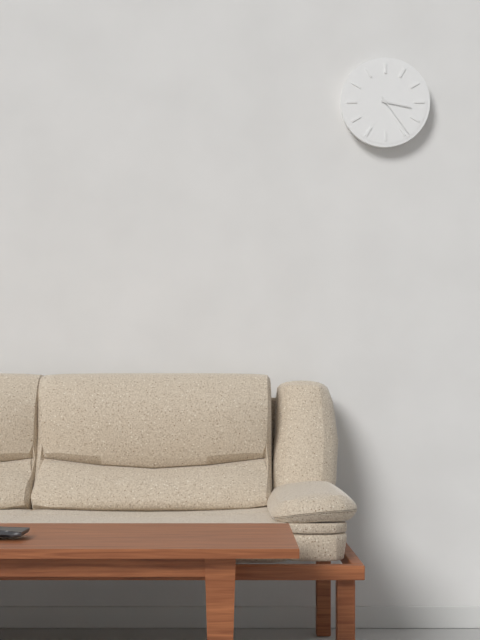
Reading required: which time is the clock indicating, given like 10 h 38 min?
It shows 3 h 24 min
